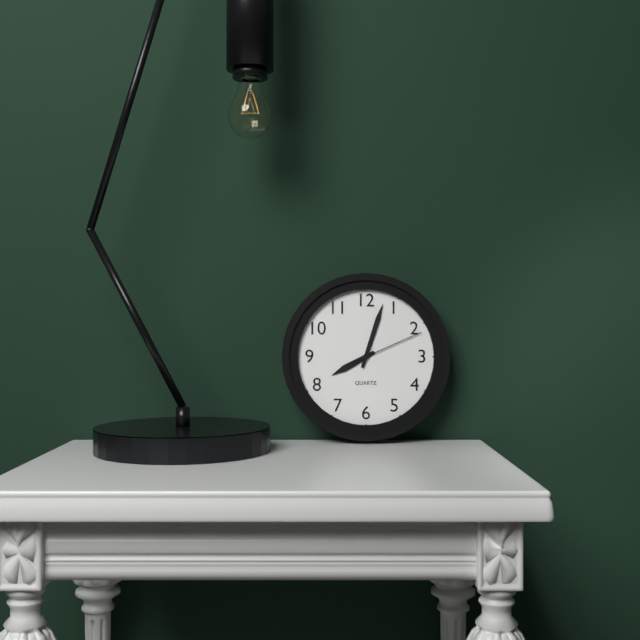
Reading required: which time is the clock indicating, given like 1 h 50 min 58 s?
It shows 8 h 03 min 11 s
